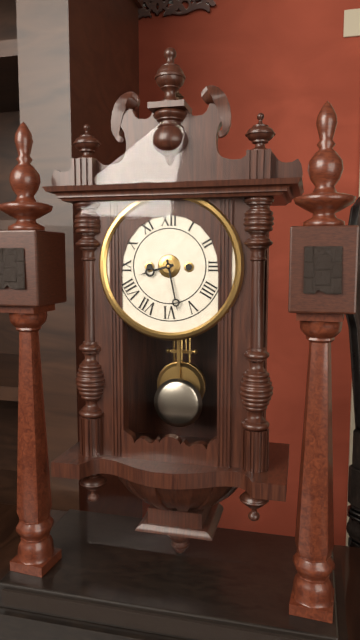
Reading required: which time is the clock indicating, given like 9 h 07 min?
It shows 8 h 28 min
